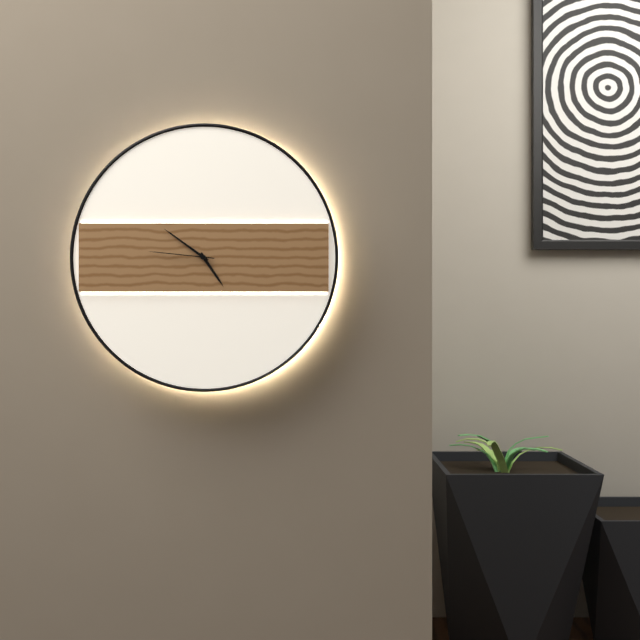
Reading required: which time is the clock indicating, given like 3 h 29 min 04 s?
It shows 4 h 51 min 46 s
